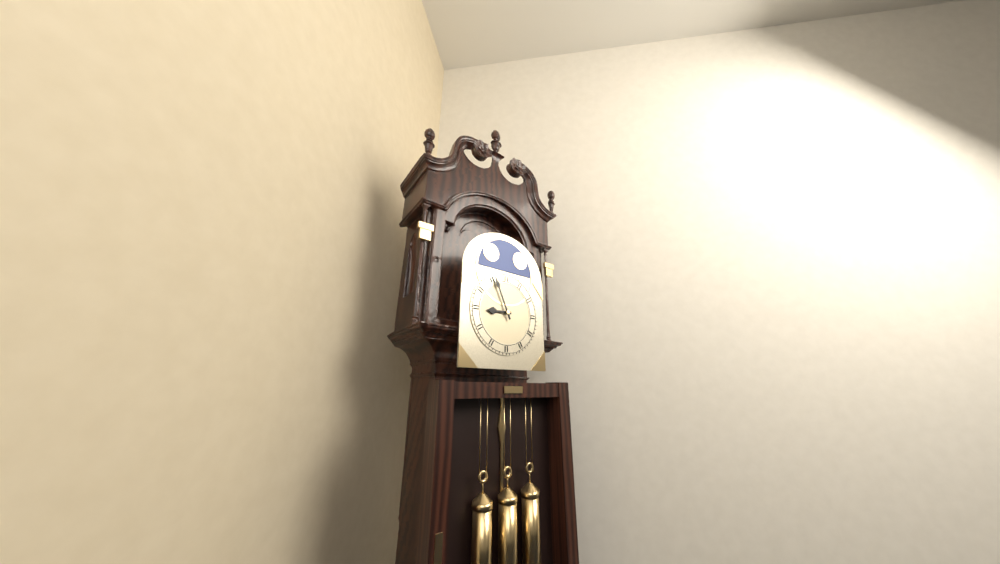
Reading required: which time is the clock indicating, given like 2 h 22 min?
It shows 8 h 56 min
